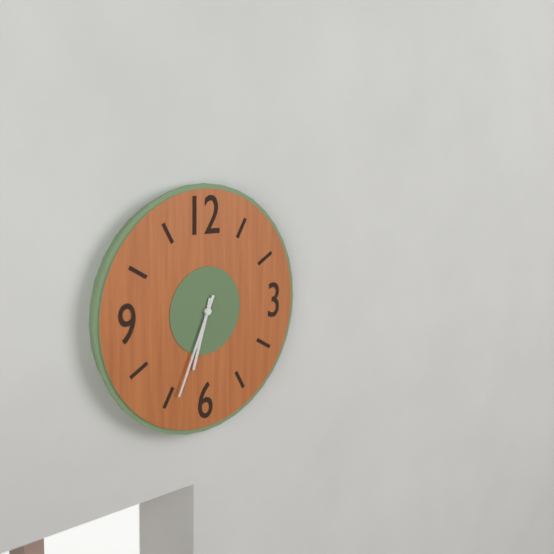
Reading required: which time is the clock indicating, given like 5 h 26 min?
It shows 6 h 34 min
